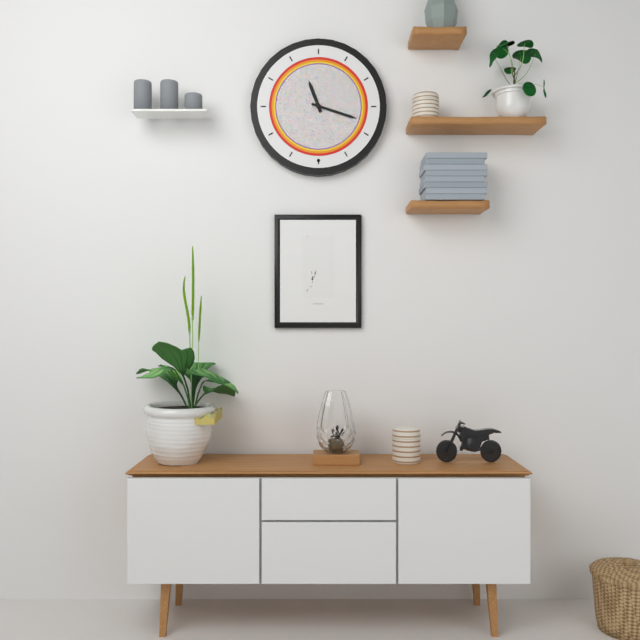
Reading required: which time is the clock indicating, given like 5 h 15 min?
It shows 11 h 18 min
